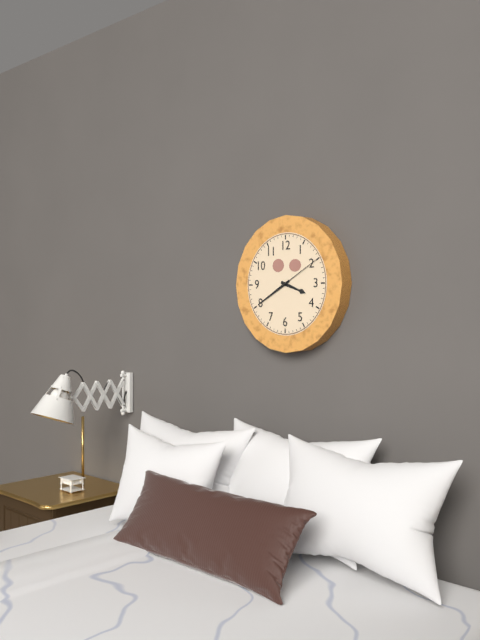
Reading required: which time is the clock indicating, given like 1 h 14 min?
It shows 3 h 40 min
